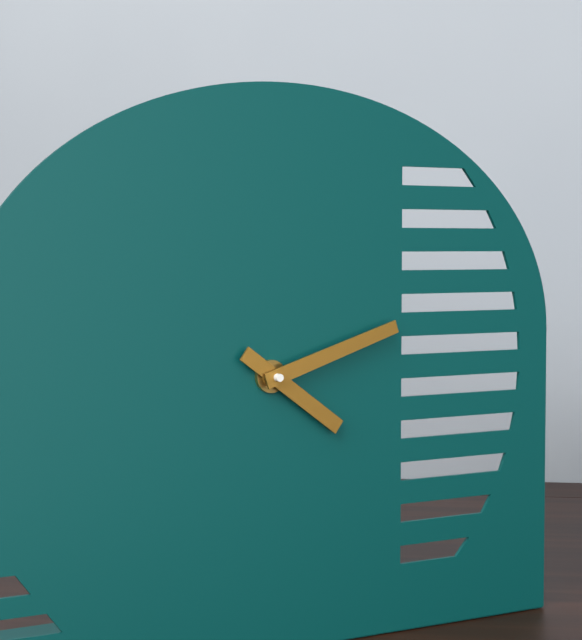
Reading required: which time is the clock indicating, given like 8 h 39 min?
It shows 4 h 12 min
